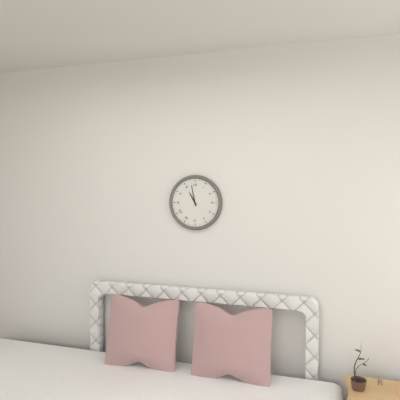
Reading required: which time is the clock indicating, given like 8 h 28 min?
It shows 10 h 58 min
